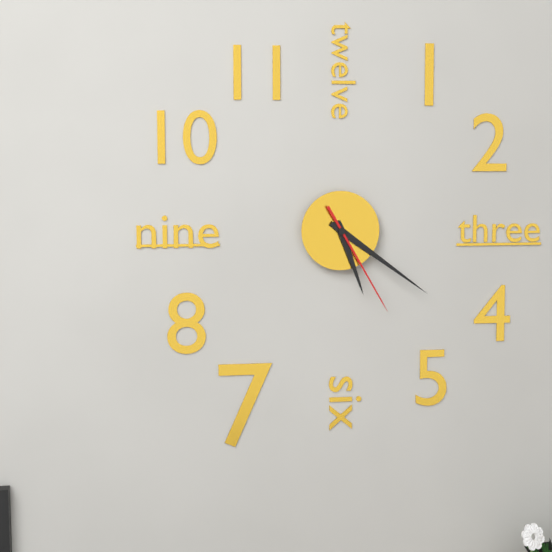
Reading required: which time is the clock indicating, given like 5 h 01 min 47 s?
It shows 5 h 21 min 25 s
